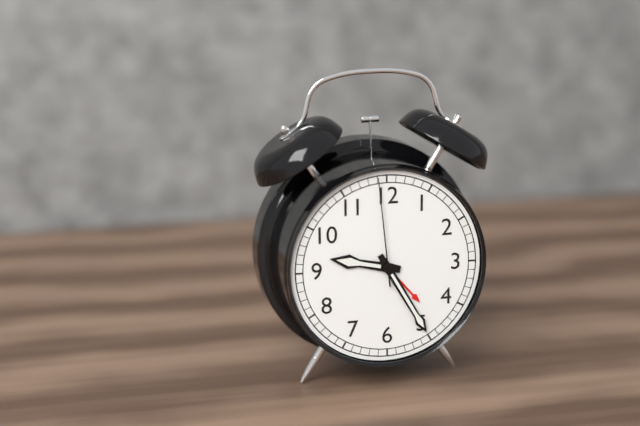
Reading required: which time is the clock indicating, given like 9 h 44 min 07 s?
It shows 9 h 25 min 59 s
